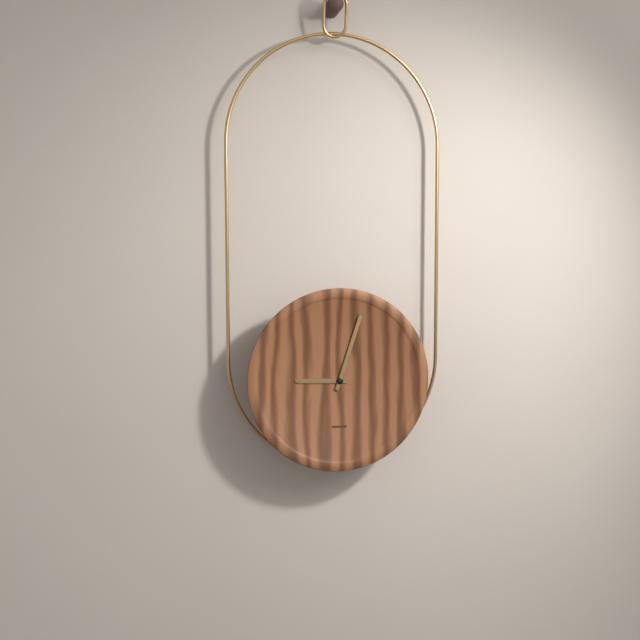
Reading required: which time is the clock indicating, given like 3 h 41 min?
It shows 9 h 03 min
